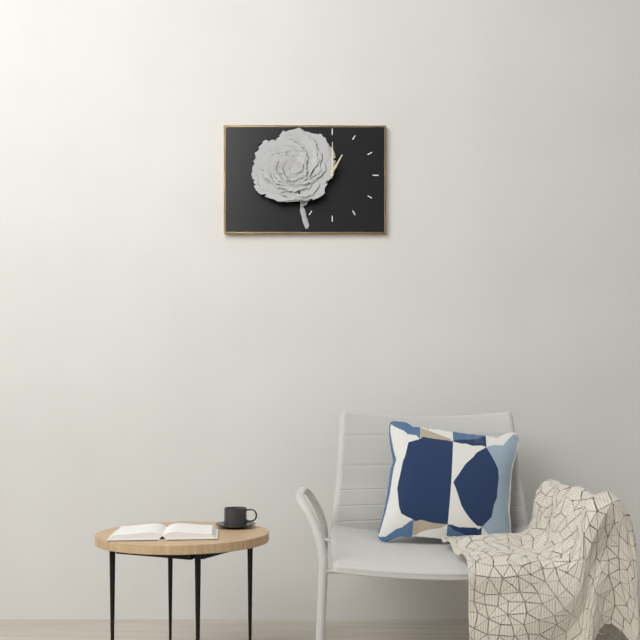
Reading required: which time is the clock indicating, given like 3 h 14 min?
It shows 1 h 00 min
